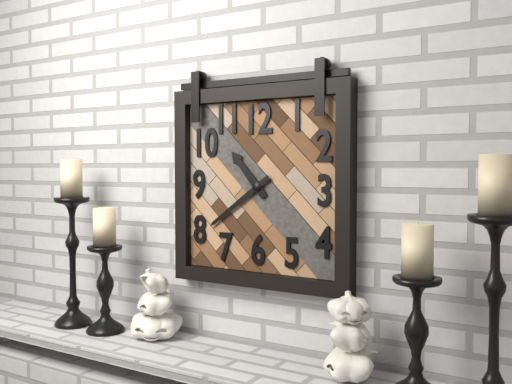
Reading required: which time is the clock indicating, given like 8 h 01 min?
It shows 10 h 39 min
